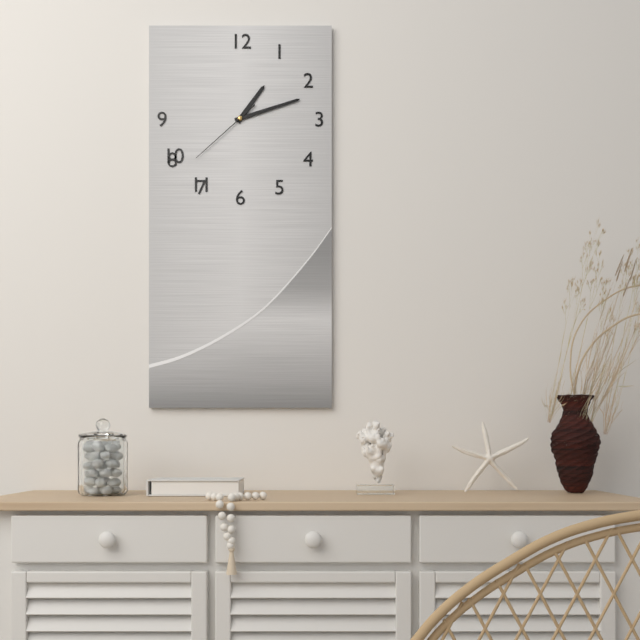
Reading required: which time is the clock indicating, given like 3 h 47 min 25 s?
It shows 1 h 12 min 38 s
